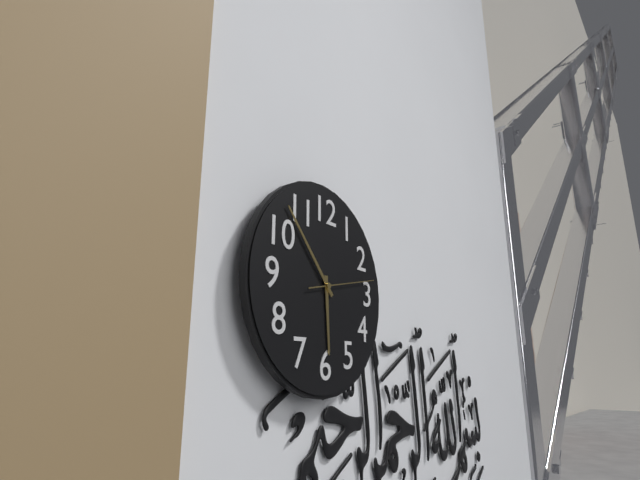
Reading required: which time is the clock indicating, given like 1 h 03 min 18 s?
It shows 5 h 53 min 13 s
